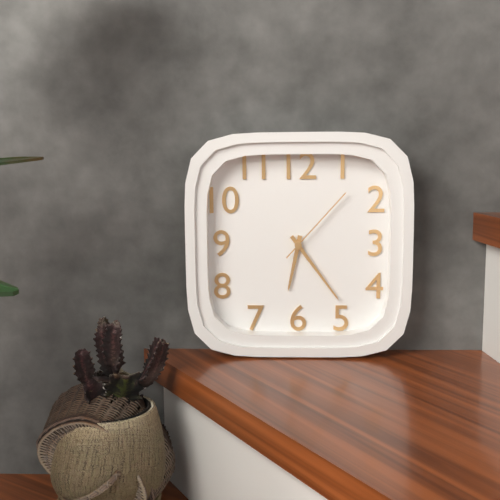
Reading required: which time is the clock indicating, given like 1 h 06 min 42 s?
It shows 6 h 24 min 07 s
